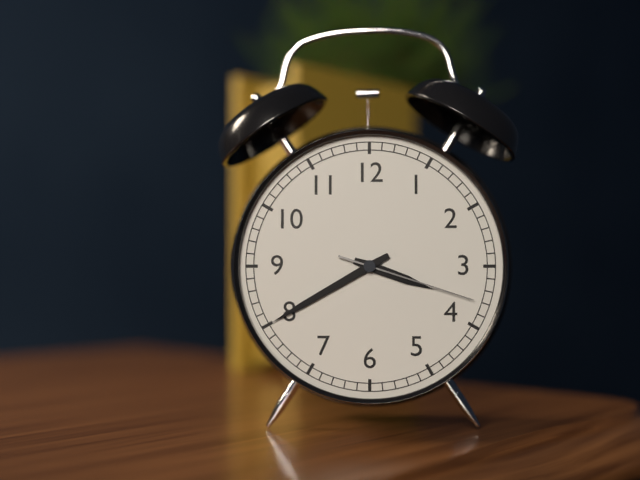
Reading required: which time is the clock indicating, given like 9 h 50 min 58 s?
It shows 3 h 40 min 18 s
